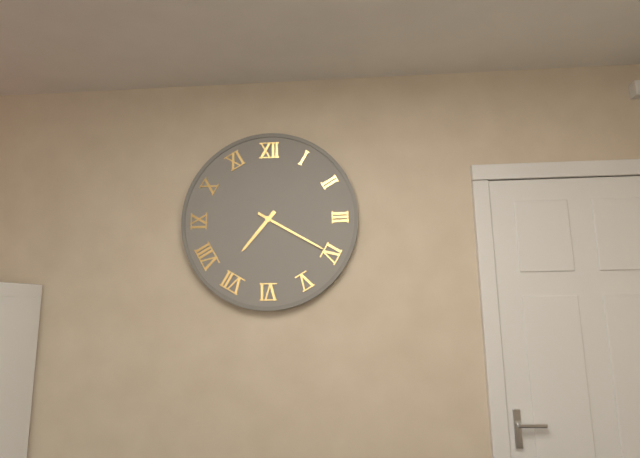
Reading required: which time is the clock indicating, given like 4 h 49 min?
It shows 7 h 20 min
